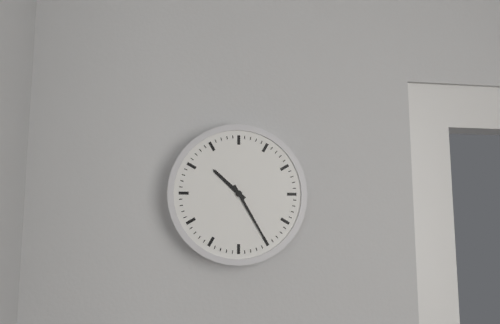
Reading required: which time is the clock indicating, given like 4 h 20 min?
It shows 10 h 25 min
